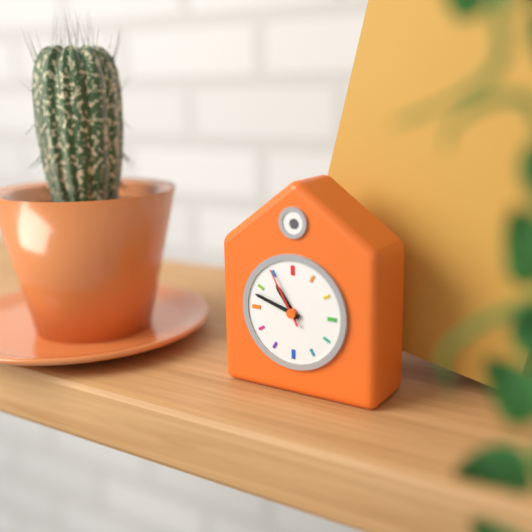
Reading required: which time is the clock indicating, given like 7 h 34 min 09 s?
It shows 10 h 48 min 55 s
